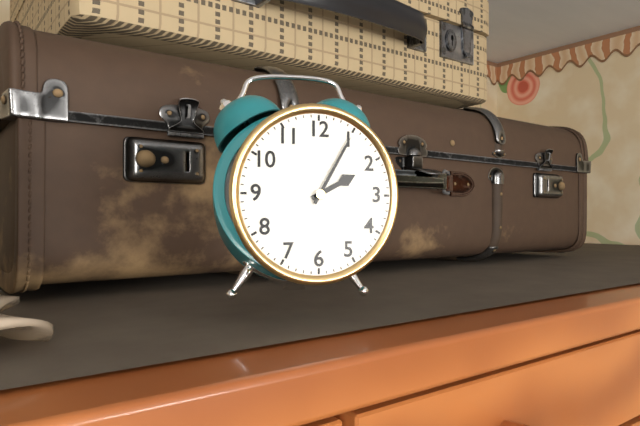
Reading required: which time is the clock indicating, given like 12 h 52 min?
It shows 2 h 05 min
